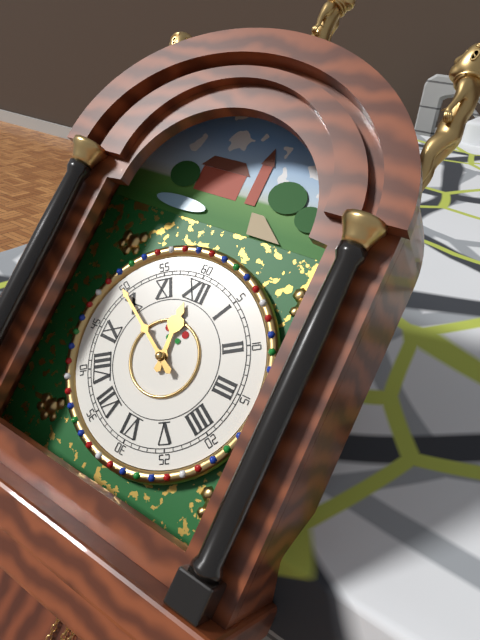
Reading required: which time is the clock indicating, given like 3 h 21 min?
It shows 11 h 50 min
